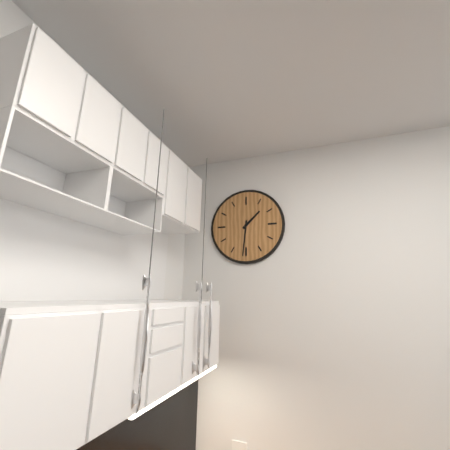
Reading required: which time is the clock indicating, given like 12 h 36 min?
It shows 1 h 31 min
